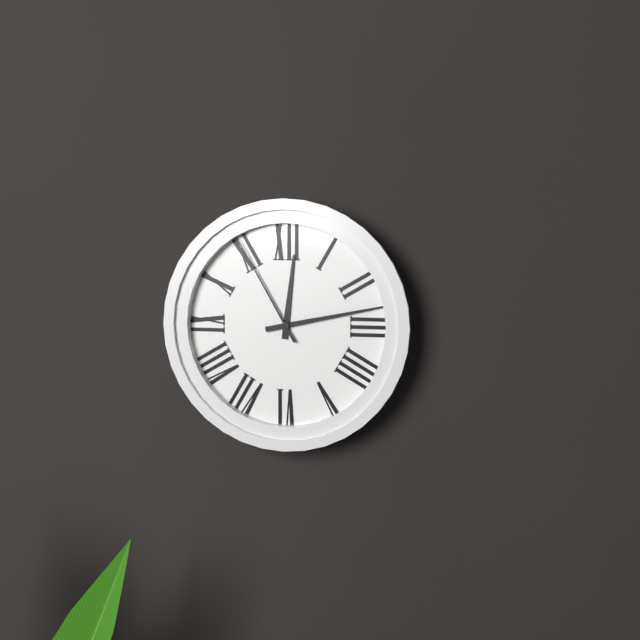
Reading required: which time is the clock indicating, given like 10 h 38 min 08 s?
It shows 12 h 13 min 55 s
